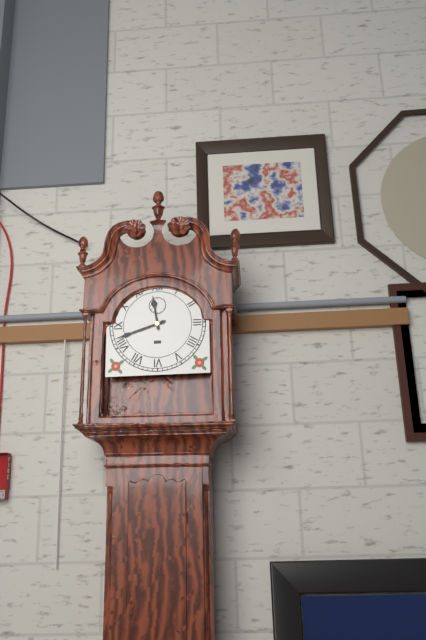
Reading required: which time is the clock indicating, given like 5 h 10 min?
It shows 11 h 42 min
